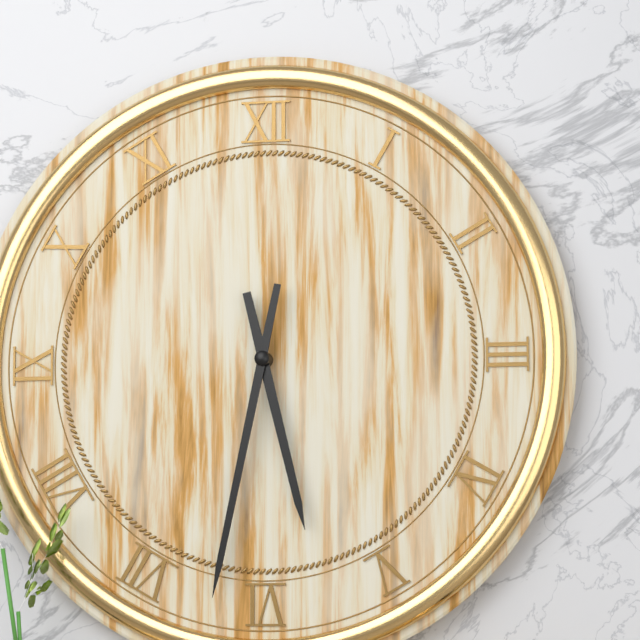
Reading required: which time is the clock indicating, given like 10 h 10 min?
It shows 5 h 32 min
